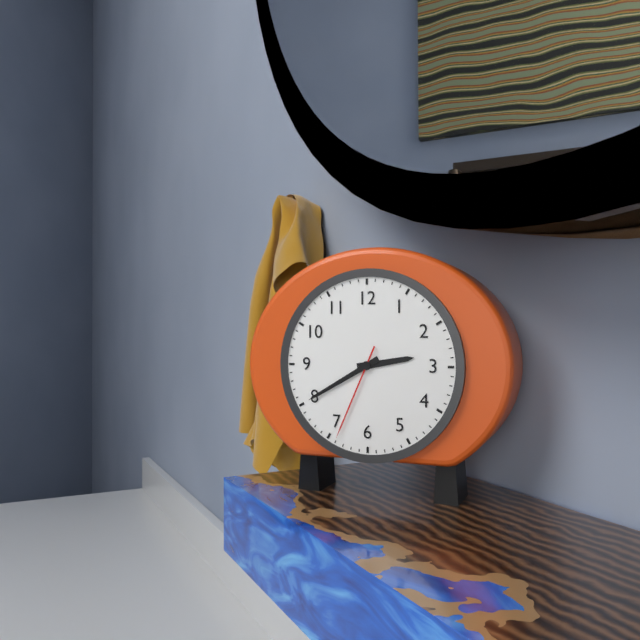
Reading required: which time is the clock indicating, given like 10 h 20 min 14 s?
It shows 2 h 40 min 34 s
